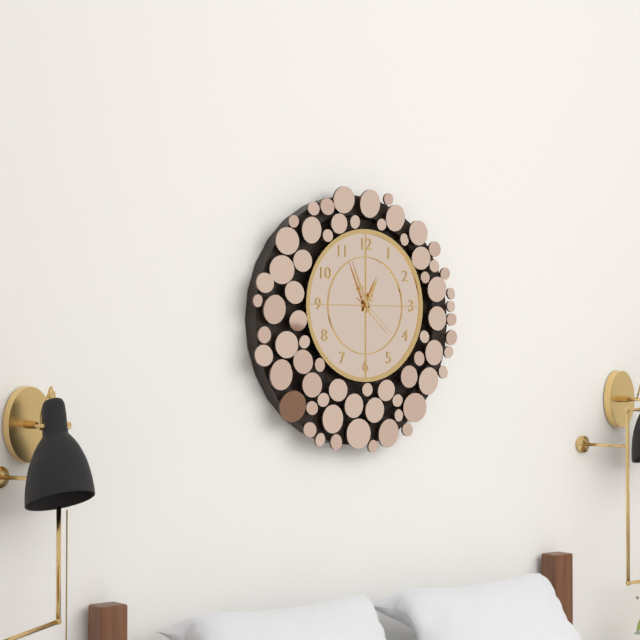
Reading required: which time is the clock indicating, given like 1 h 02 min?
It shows 12 h 56 min
